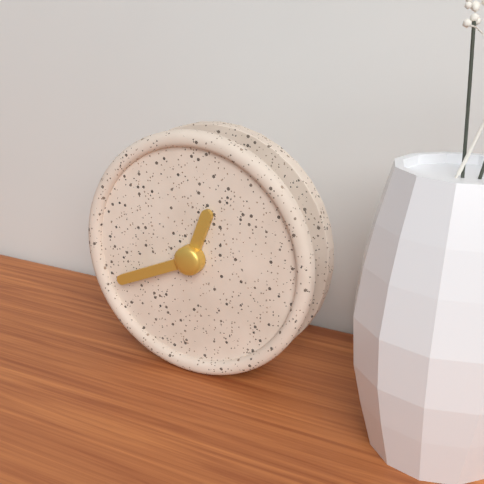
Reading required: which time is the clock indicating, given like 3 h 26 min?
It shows 12 h 41 min
